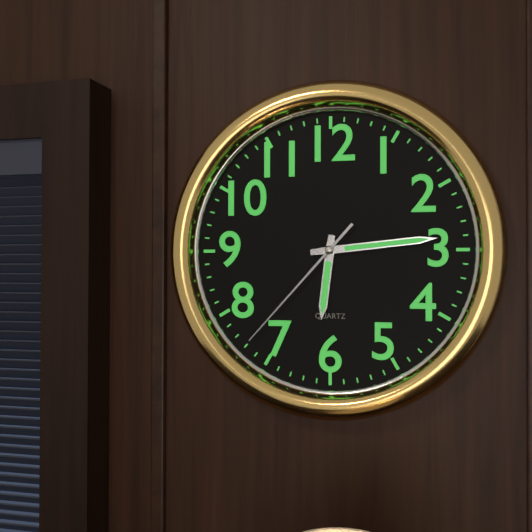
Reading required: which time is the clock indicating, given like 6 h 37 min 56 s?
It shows 6 h 14 min 37 s
